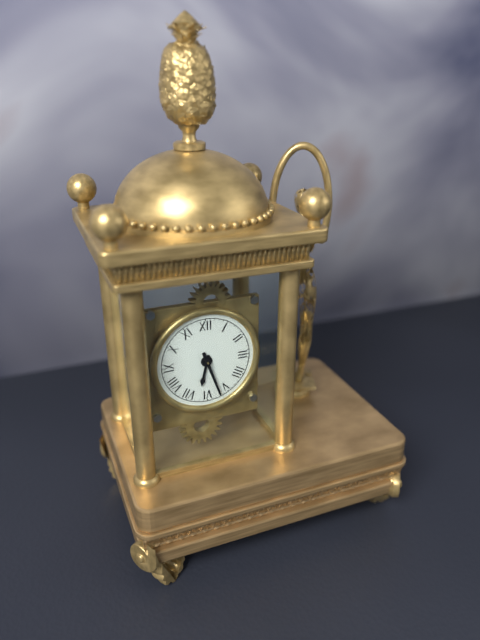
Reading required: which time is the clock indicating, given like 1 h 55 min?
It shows 6 h 27 min
